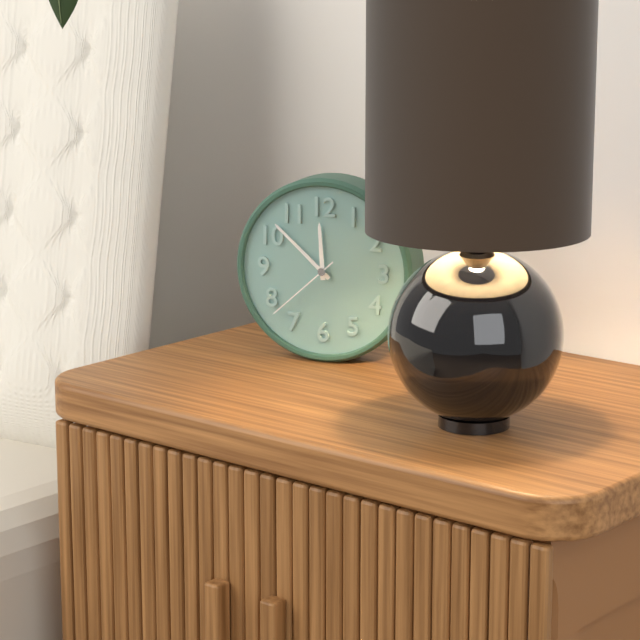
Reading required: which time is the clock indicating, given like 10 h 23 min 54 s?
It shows 11 h 52 min 38 s
